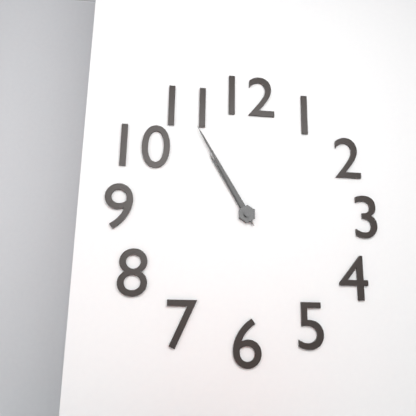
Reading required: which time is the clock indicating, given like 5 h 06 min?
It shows 10 h 55 min
